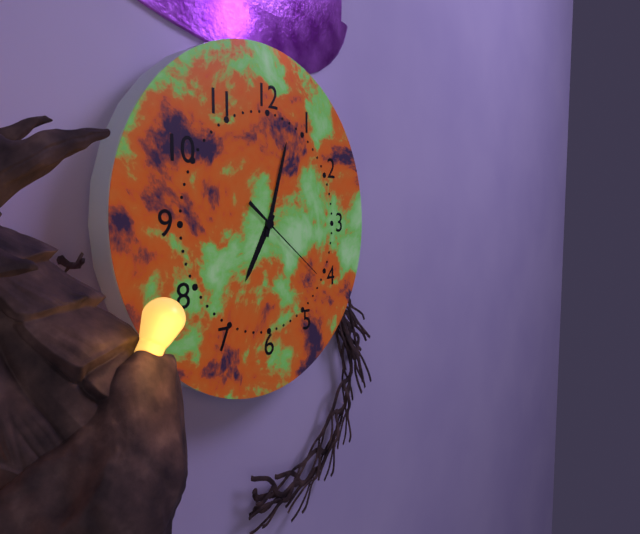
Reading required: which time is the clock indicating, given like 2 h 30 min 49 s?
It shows 7 h 03 min 21 s
